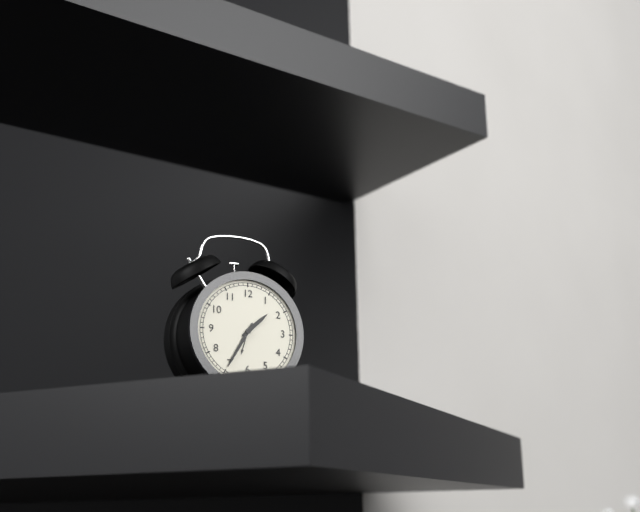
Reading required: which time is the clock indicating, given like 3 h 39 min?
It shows 1 h 35 min
